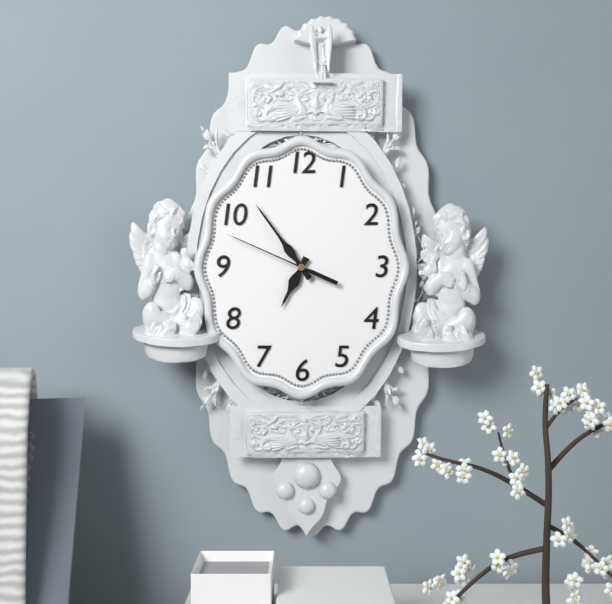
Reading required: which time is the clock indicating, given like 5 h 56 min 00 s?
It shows 6 h 54 min 49 s
